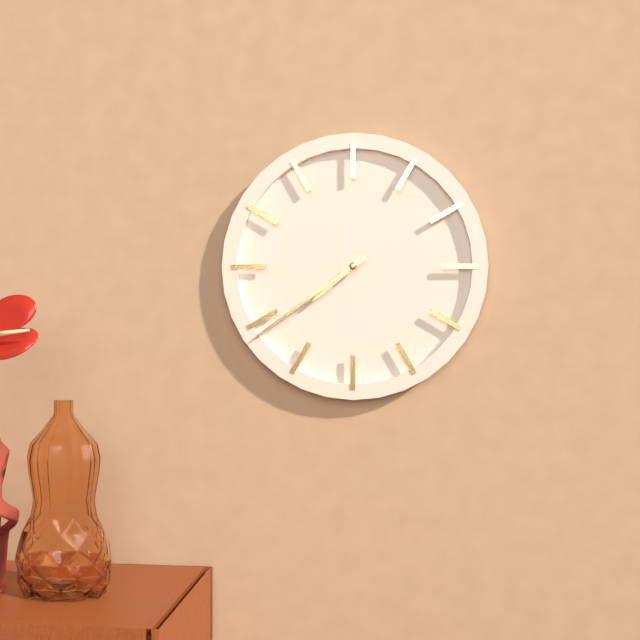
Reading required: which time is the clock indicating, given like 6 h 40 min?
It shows 7 h 39 min
